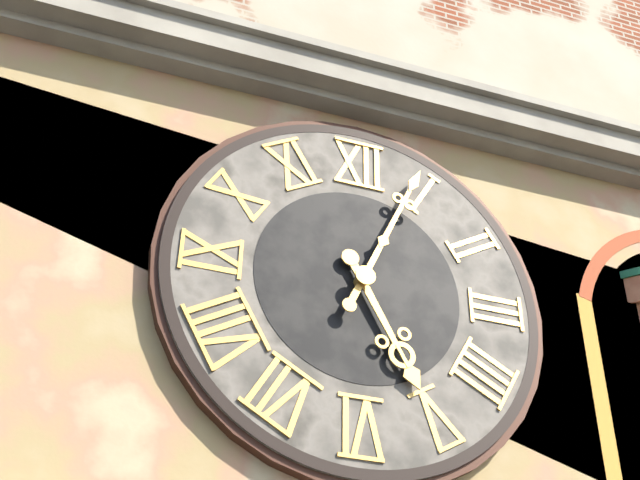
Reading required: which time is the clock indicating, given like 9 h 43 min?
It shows 5 h 04 min
